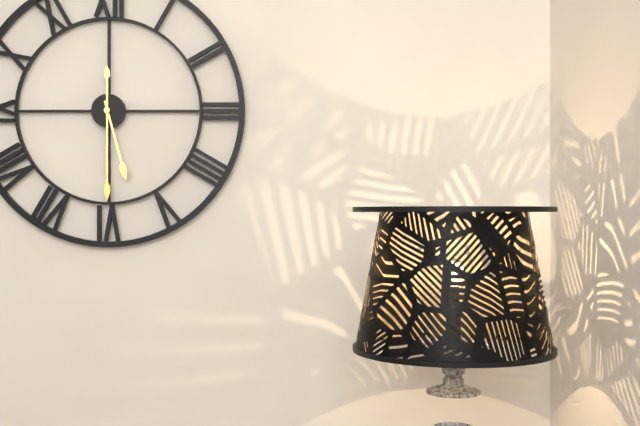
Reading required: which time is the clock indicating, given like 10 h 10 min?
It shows 5 h 30 min
